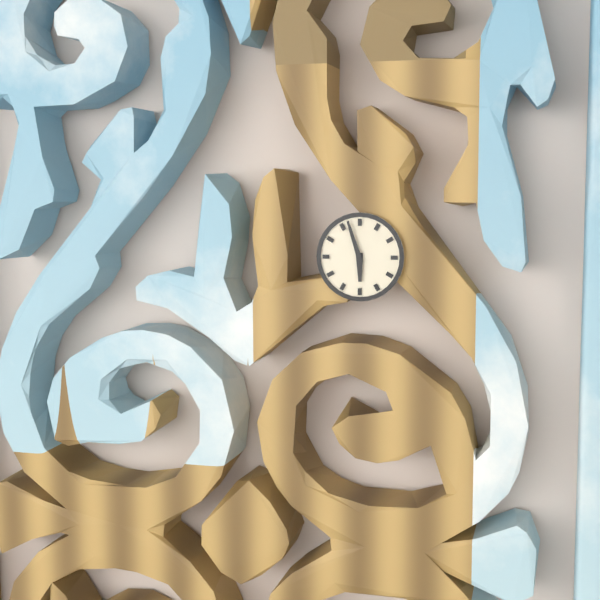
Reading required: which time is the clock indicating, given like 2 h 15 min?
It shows 5 h 57 min
